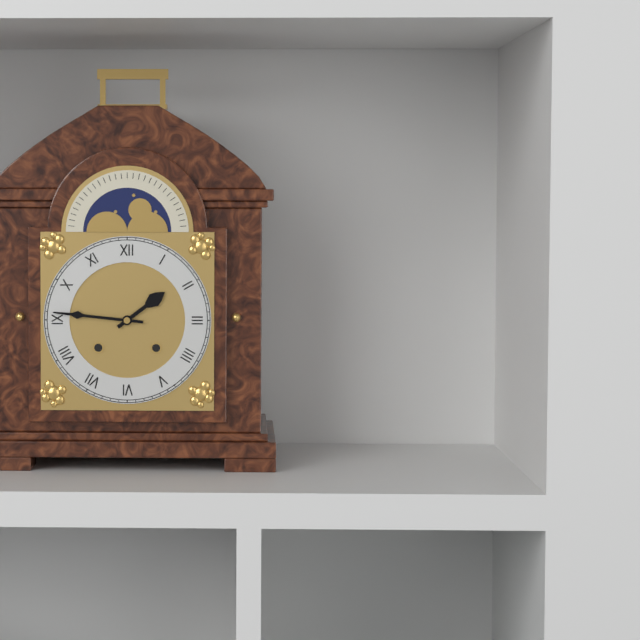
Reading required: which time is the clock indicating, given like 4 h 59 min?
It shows 1 h 46 min
